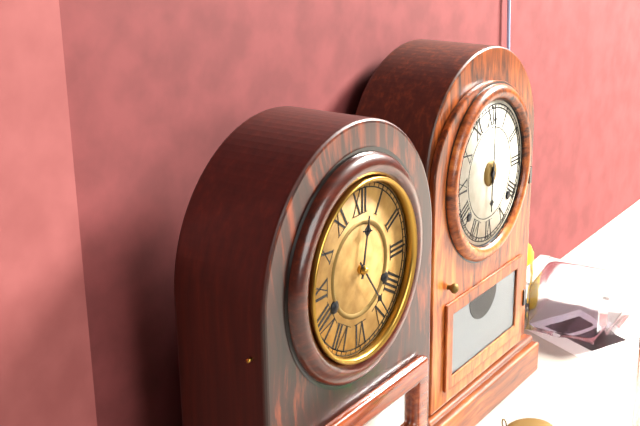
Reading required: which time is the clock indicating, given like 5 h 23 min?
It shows 12 h 24 min
